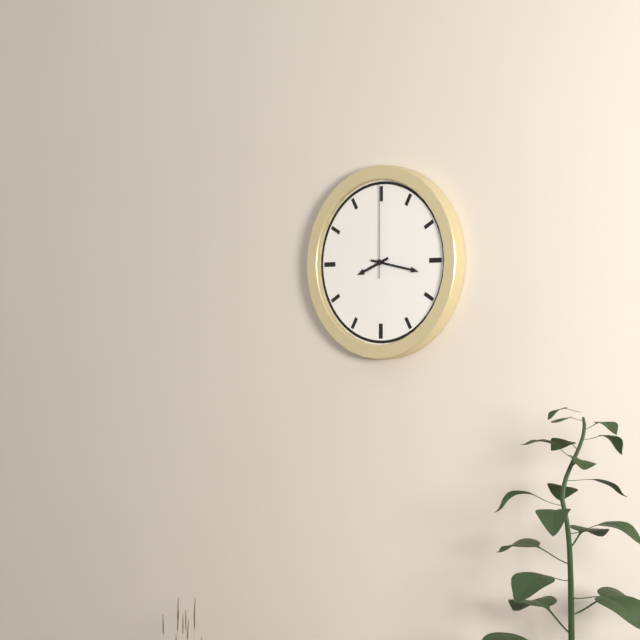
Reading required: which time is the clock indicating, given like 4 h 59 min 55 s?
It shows 8 h 17 min 00 s
